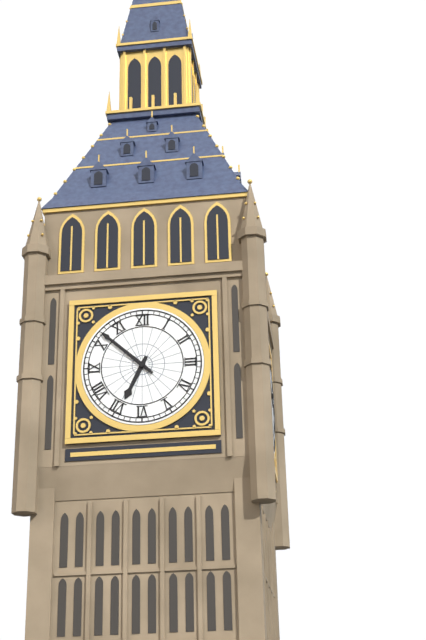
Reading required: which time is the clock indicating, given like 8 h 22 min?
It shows 6 h 52 min
